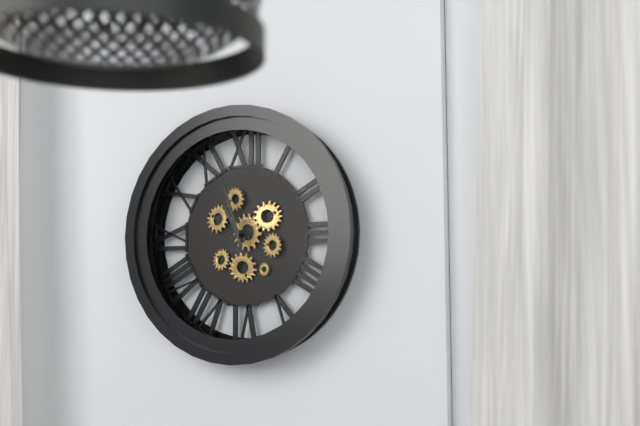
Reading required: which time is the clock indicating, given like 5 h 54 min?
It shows 10 h 57 min
